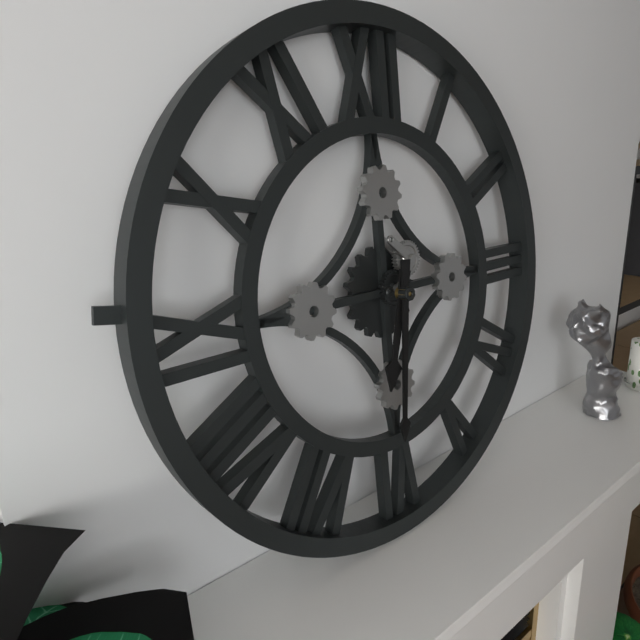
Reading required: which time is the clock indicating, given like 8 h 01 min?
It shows 6 h 31 min
